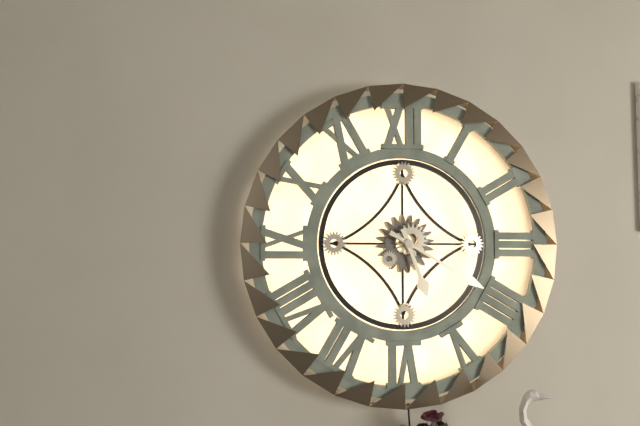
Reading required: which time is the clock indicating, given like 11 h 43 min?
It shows 5 h 20 min
